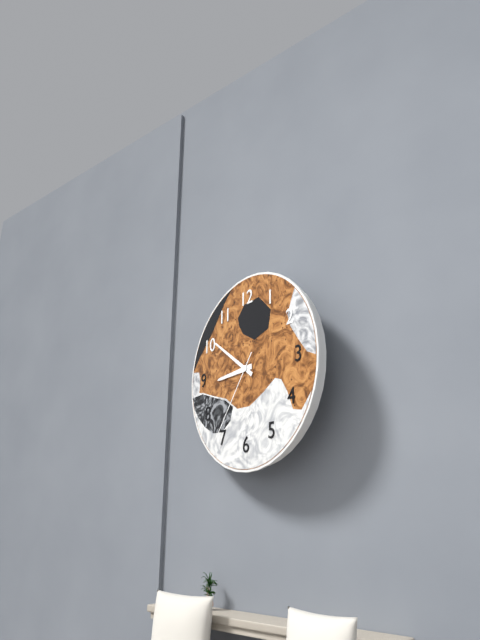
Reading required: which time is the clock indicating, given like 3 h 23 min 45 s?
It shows 8 h 51 min 36 s
